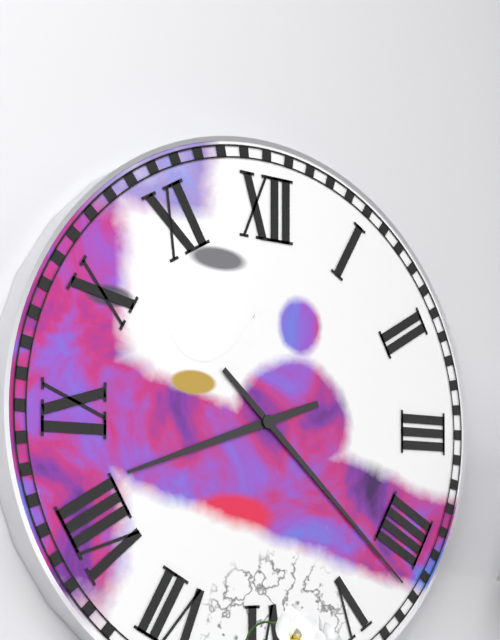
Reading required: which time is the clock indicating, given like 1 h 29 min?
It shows 8 h 22 min
